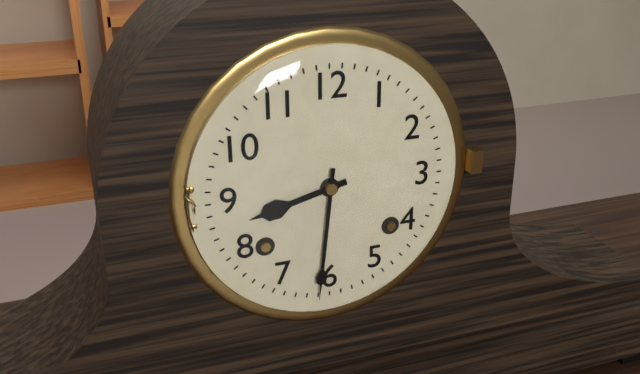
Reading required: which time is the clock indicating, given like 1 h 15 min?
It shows 8 h 31 min
